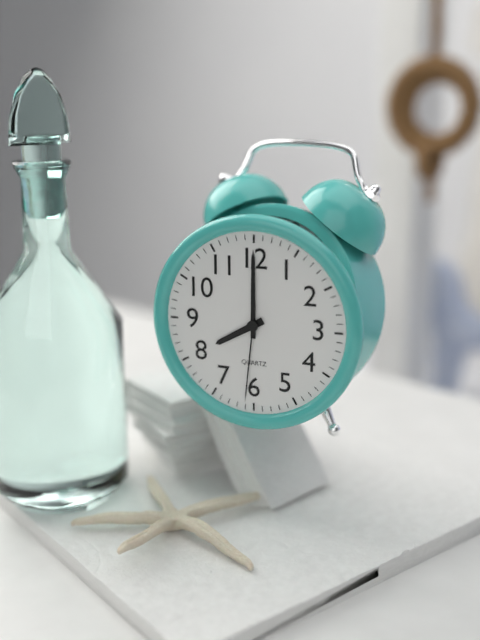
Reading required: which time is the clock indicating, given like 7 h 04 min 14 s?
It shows 8 h 00 min 31 s
